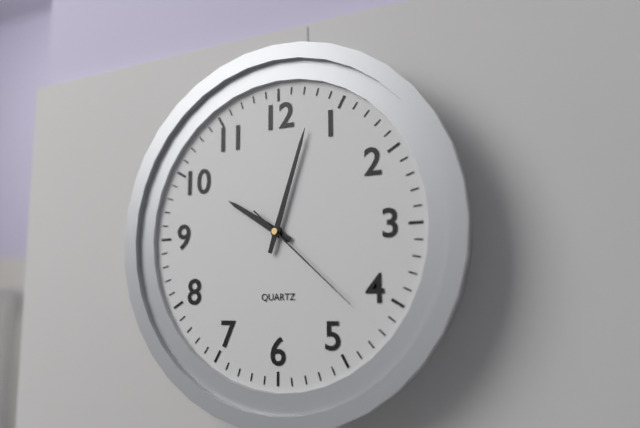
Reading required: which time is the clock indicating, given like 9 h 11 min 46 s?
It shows 10 h 03 min 22 s
